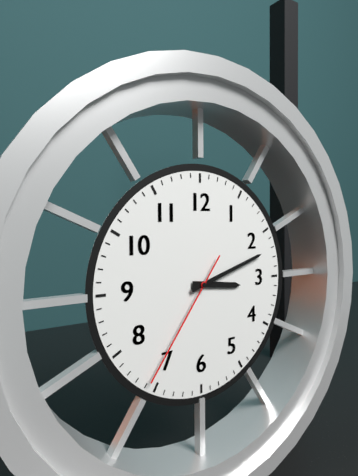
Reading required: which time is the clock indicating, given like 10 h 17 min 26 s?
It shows 3 h 12 min 36 s
